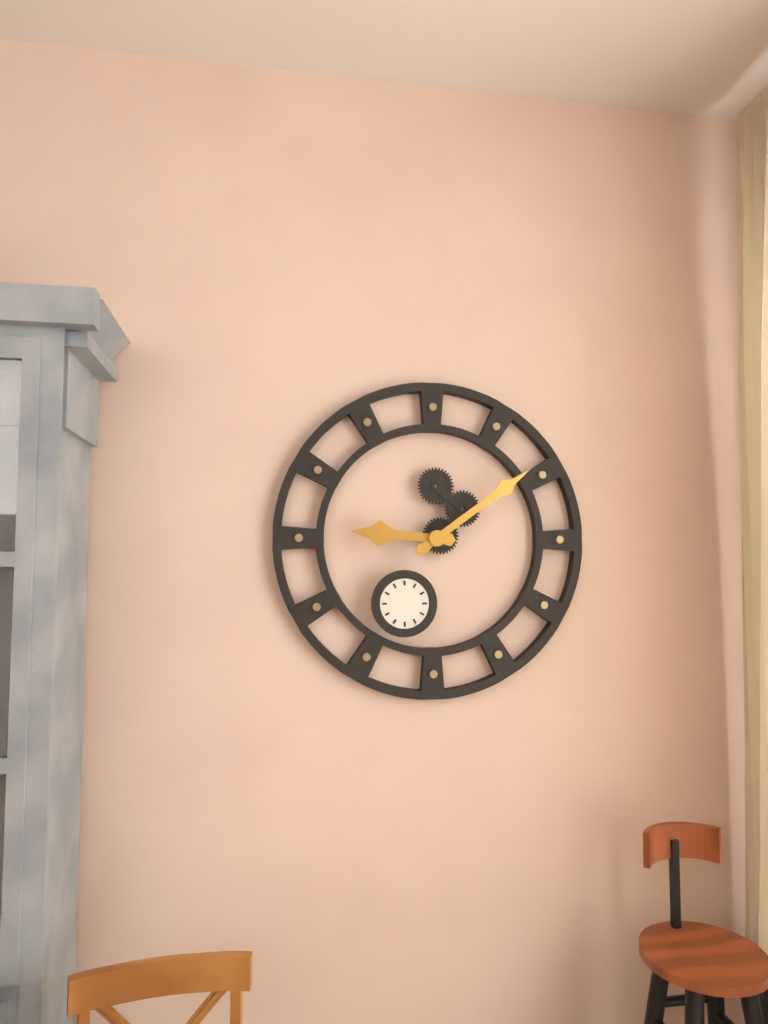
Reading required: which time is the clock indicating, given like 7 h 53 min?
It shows 9 h 09 min
